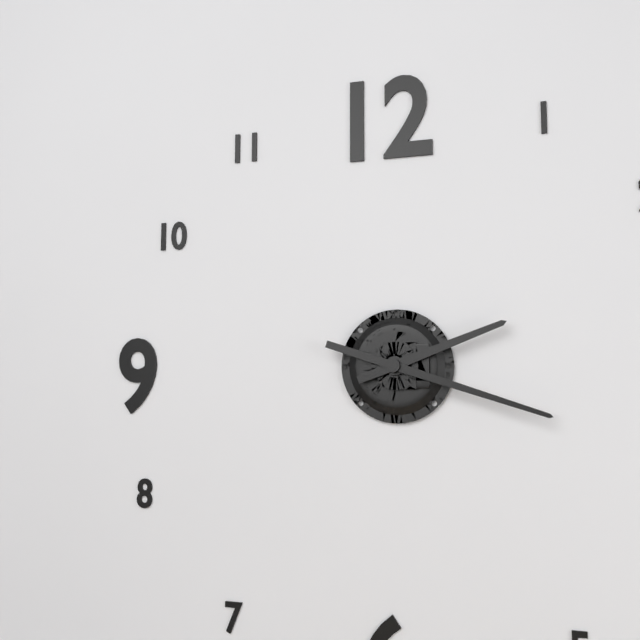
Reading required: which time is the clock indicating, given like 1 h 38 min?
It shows 2 h 18 min
